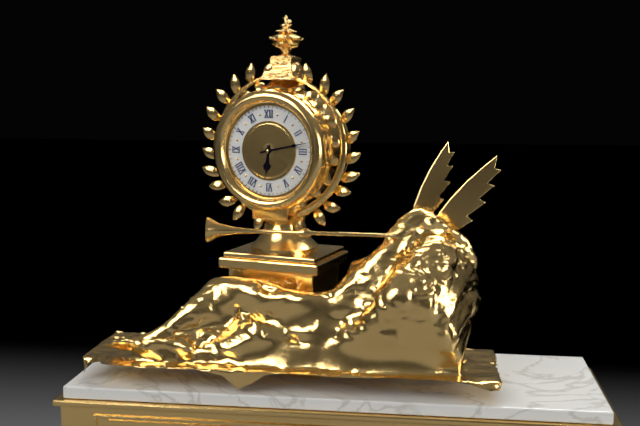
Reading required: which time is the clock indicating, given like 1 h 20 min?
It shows 6 h 13 min
